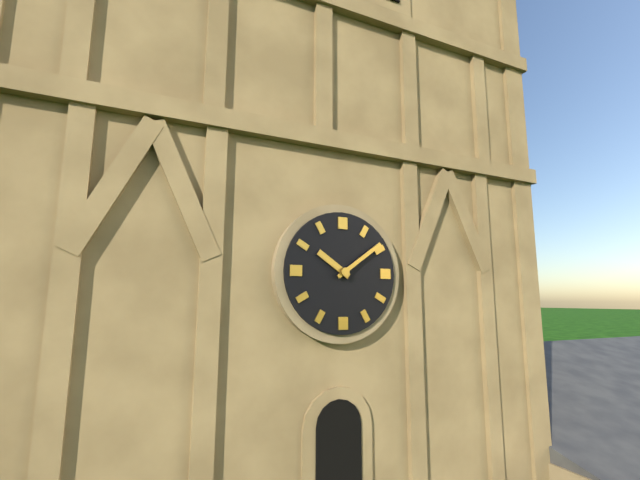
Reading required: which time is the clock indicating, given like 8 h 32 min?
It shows 10 h 09 min
